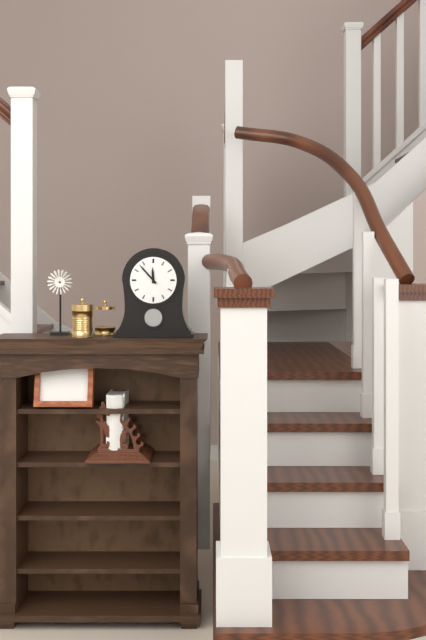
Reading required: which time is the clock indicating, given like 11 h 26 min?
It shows 11 h 53 min
